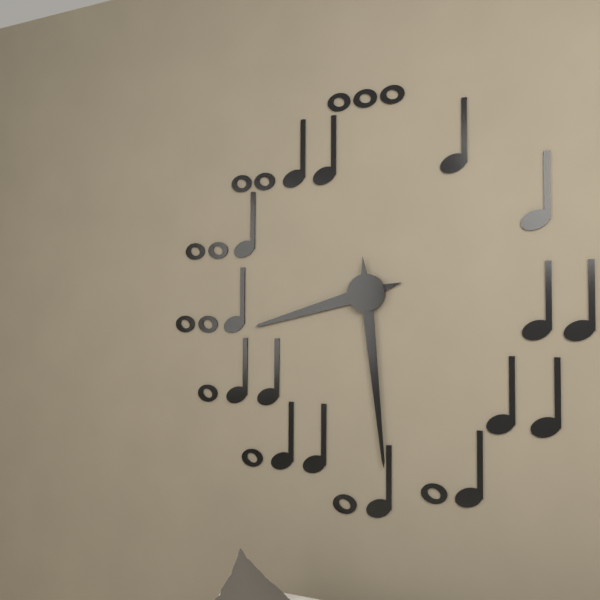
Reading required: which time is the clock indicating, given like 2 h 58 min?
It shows 8 h 29 min
